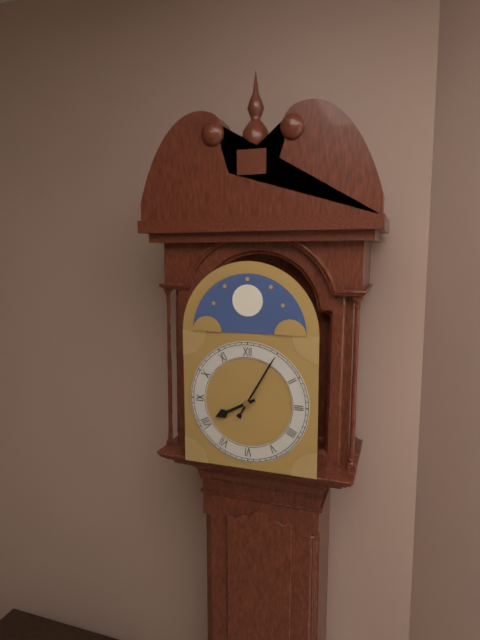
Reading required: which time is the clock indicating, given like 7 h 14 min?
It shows 8 h 05 min
